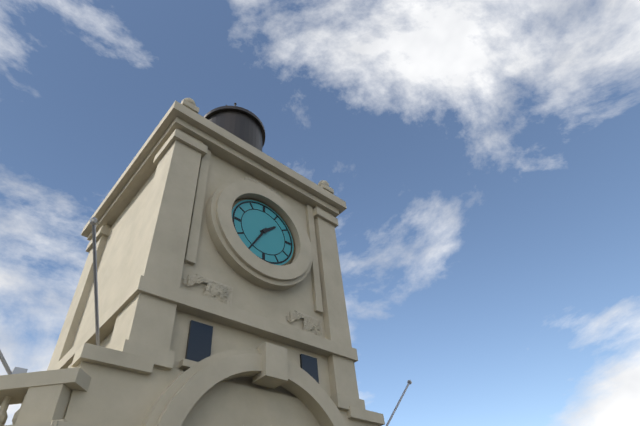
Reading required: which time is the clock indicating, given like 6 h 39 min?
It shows 1 h 35 min
